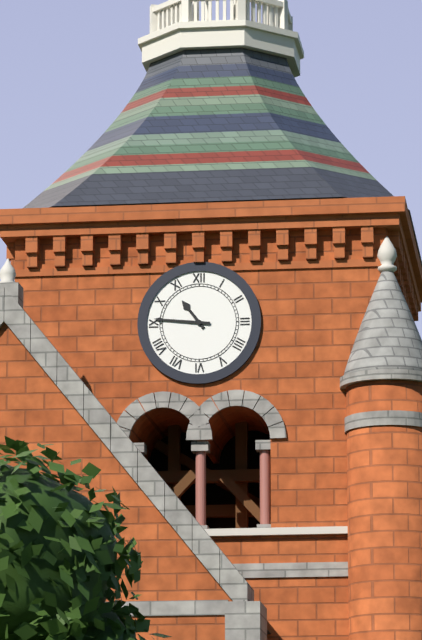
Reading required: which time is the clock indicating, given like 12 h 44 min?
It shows 10 h 46 min
